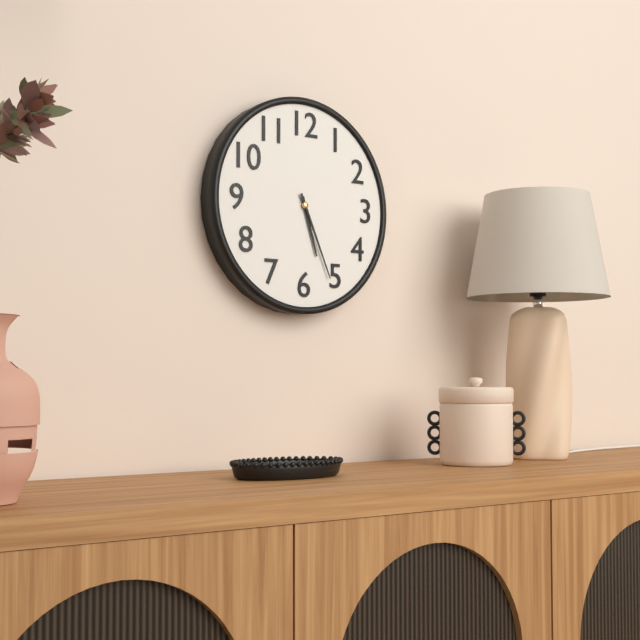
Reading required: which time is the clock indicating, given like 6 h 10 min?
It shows 5 h 26 min
